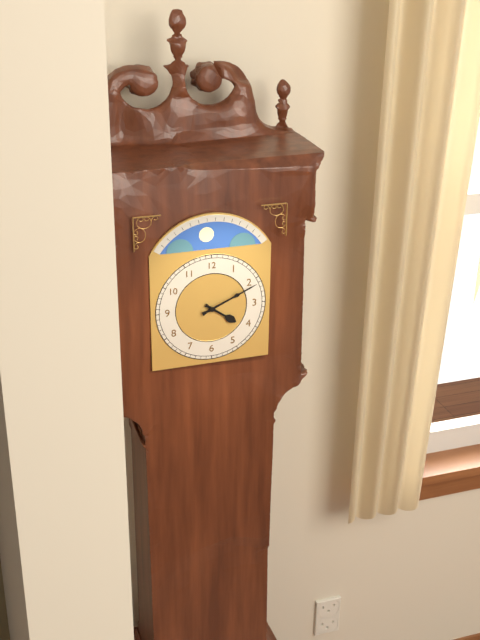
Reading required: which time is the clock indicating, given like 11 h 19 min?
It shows 4 h 11 min
